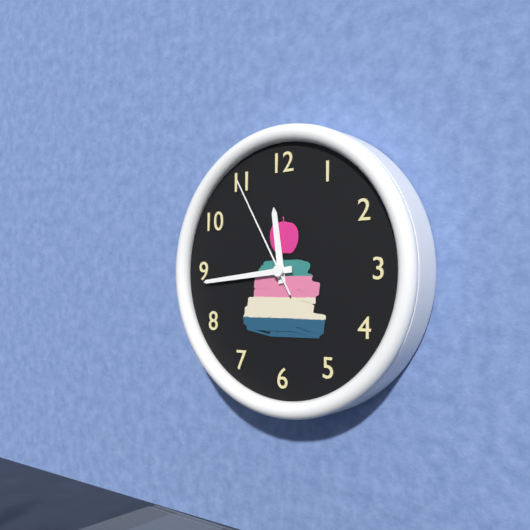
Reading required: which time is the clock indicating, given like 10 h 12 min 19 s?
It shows 11 h 44 min 55 s
